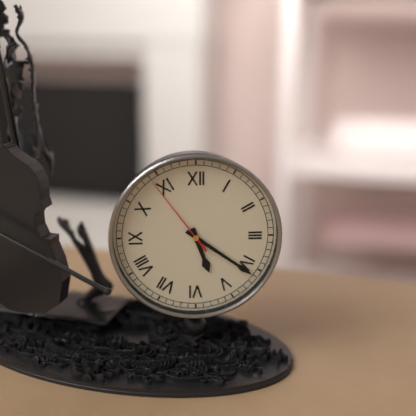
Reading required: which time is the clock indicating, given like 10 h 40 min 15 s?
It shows 5 h 21 min 54 s
